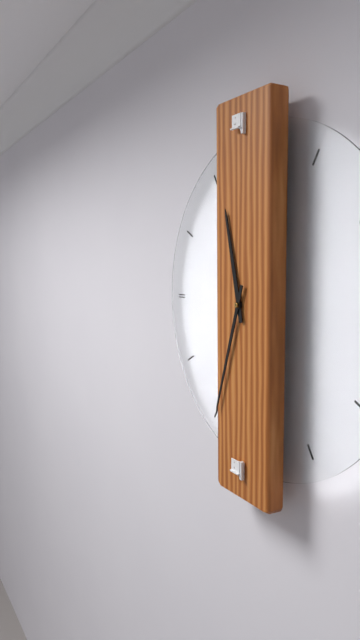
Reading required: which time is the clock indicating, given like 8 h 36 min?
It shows 11 h 33 min
